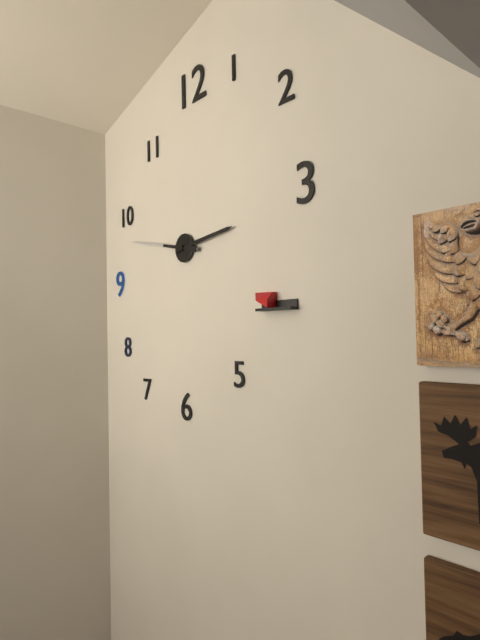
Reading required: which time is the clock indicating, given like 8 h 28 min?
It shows 2 h 47 min
